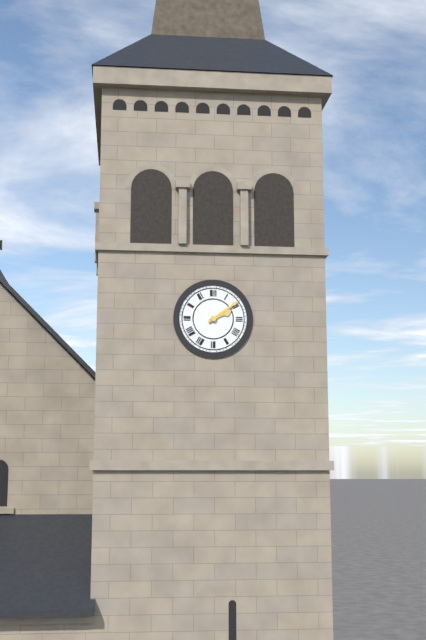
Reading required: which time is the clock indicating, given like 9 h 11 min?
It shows 2 h 09 min
